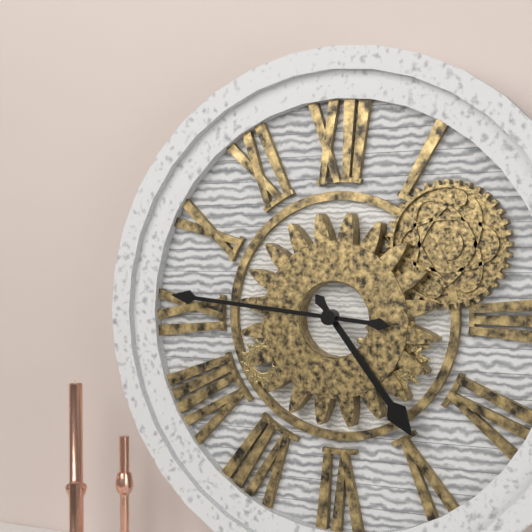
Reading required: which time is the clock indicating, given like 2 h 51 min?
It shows 4 h 46 min
